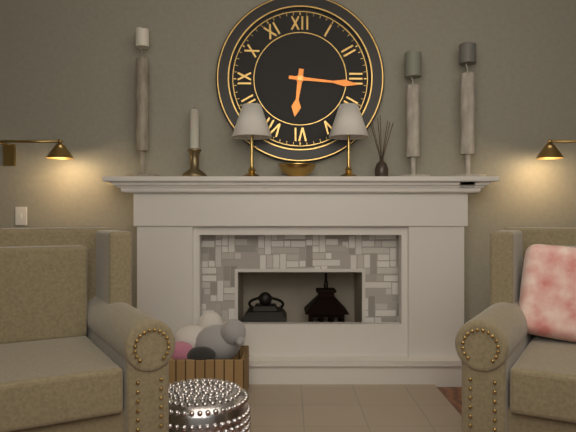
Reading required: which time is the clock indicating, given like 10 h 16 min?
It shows 6 h 16 min
